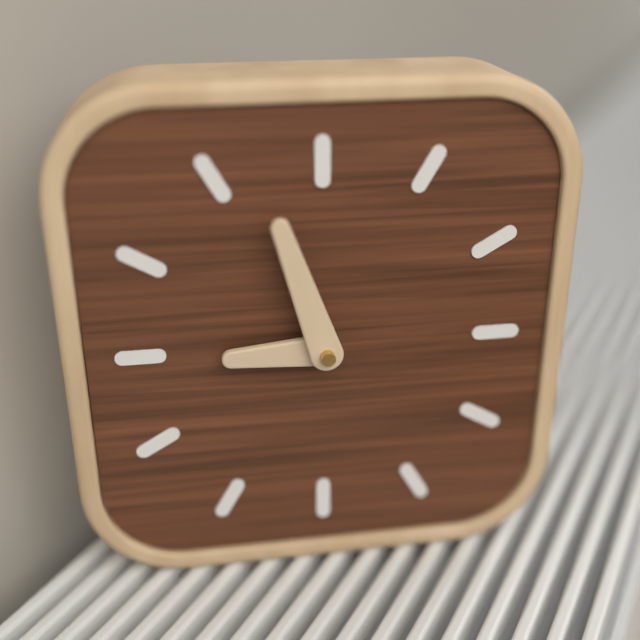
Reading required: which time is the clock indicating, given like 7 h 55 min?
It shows 8 h 57 min
